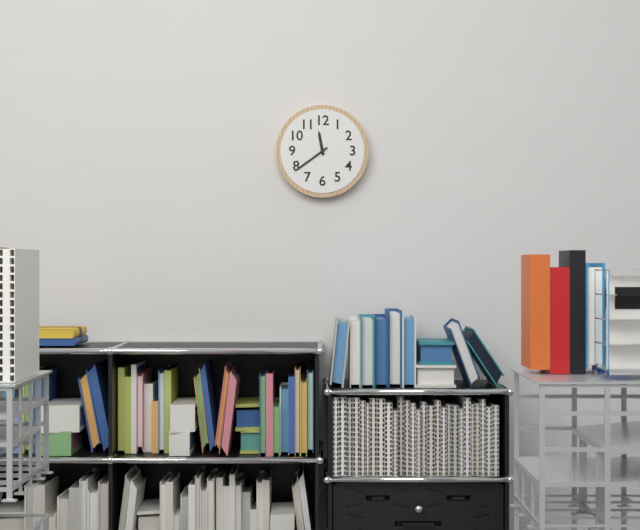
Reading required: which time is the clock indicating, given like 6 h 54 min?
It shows 11 h 39 min
